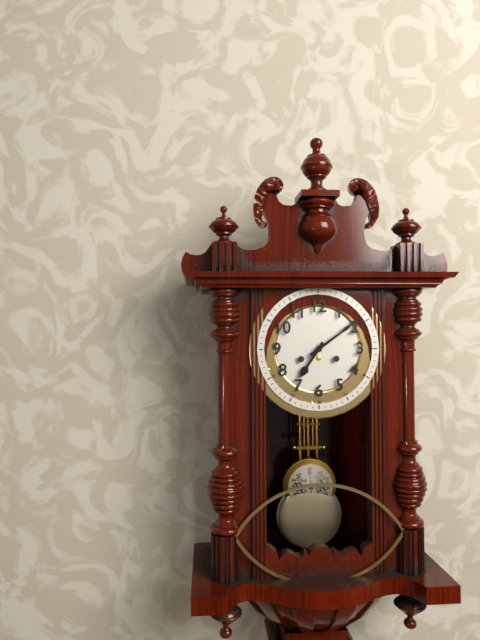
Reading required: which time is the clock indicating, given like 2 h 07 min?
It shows 7 h 09 min
